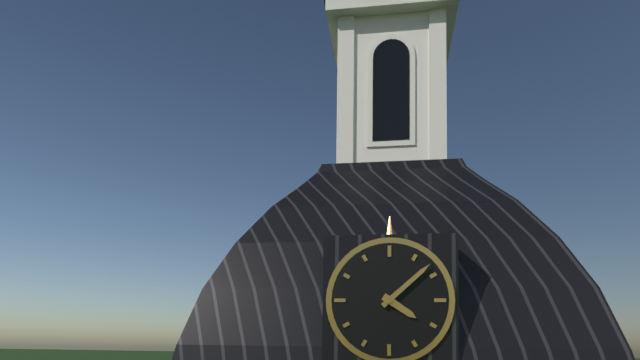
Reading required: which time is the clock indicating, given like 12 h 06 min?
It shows 4 h 08 min
